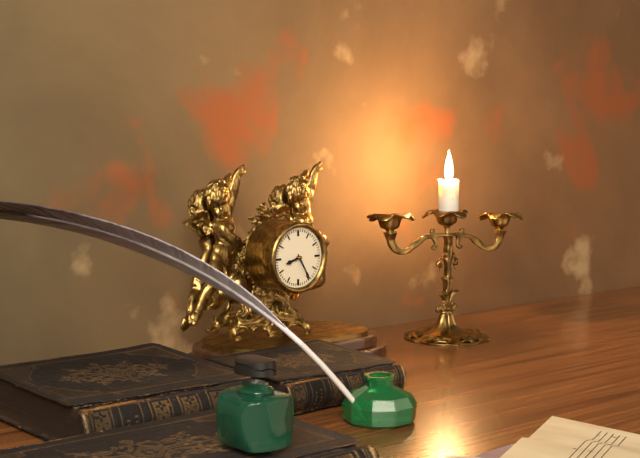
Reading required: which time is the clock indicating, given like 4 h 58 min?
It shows 8 h 25 min
